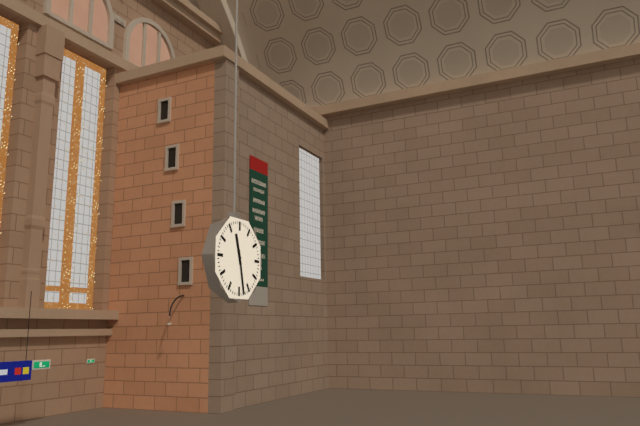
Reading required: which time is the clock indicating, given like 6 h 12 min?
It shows 11 h 28 min
